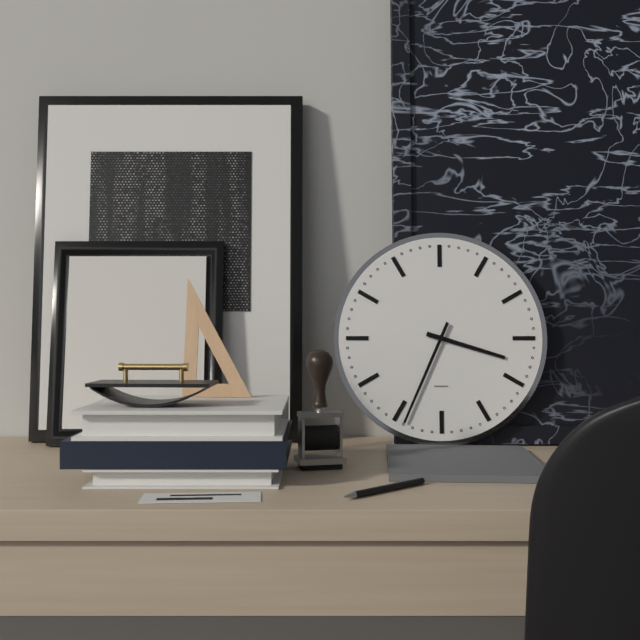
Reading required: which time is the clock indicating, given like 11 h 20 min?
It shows 3 h 34 min
